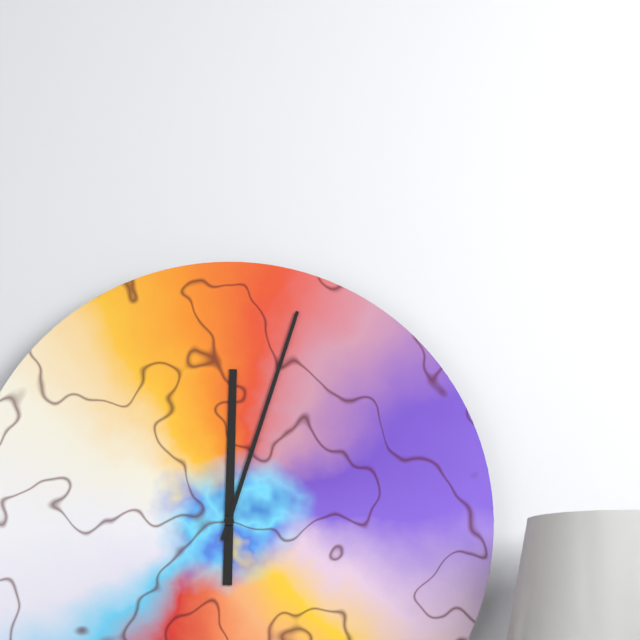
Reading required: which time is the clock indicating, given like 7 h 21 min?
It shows 12 h 03 min
